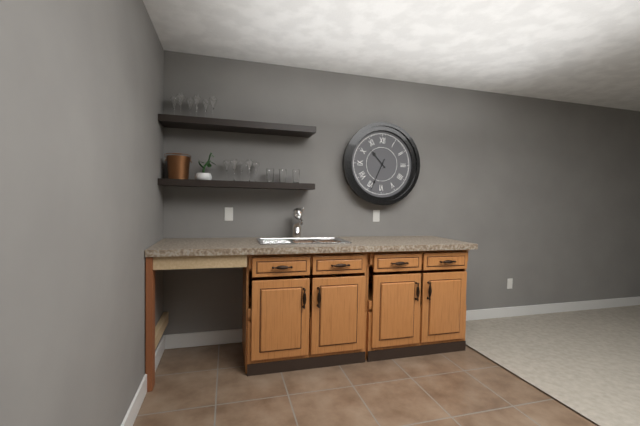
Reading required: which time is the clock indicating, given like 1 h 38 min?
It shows 10 h 34 min
